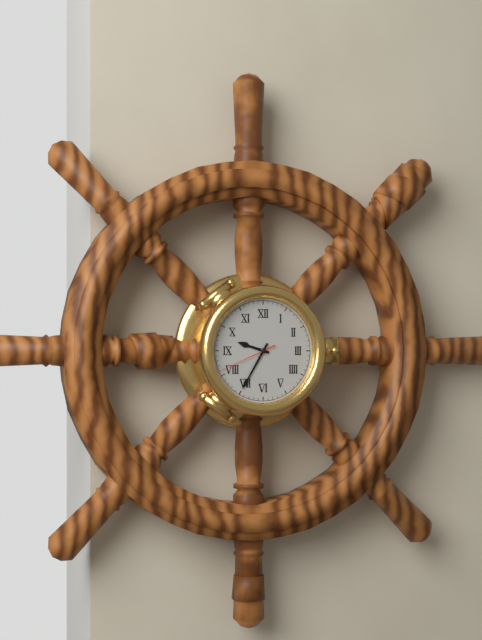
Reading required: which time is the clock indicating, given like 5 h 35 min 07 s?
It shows 9 h 35 min 41 s
